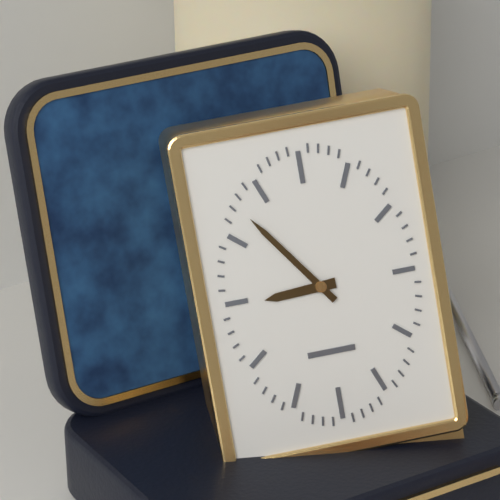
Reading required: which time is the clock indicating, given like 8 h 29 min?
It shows 8 h 54 min
